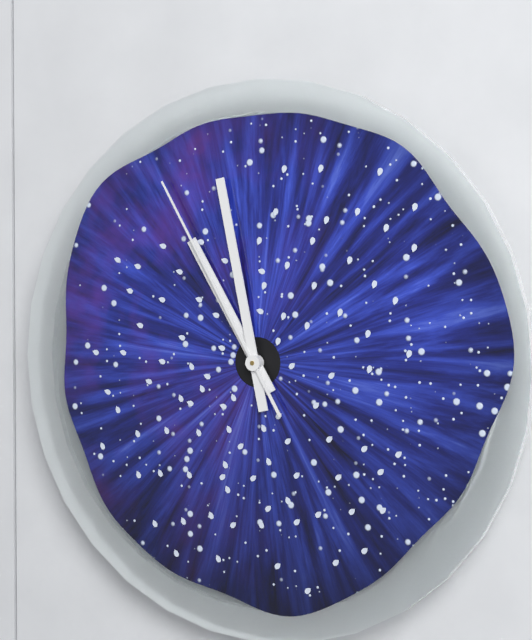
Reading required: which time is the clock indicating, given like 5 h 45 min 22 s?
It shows 10 h 58 min 55 s
